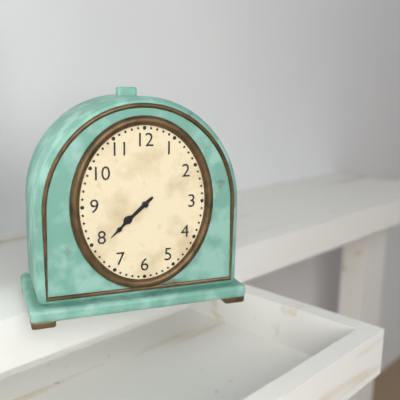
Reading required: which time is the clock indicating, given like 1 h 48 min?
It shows 7 h 38 min
